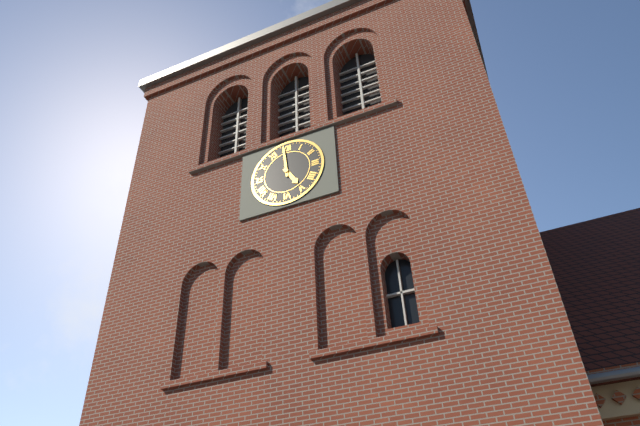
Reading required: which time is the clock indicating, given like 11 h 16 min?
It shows 4 h 59 min
